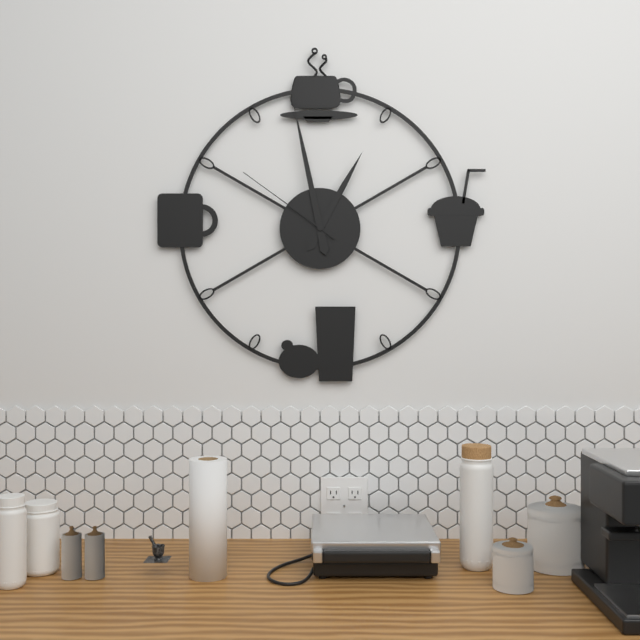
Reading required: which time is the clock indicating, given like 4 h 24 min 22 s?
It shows 12 h 58 min 51 s
